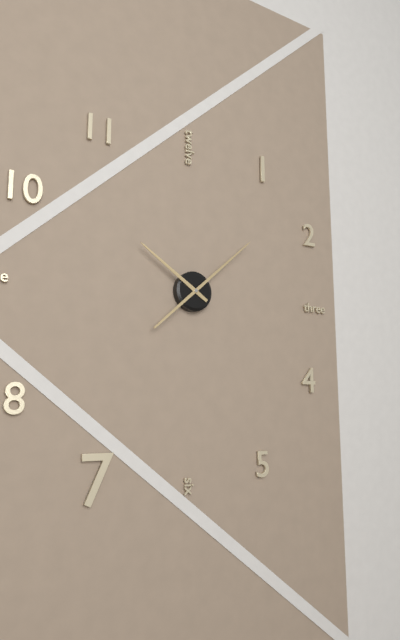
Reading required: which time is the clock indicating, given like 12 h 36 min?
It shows 10 h 08 min
